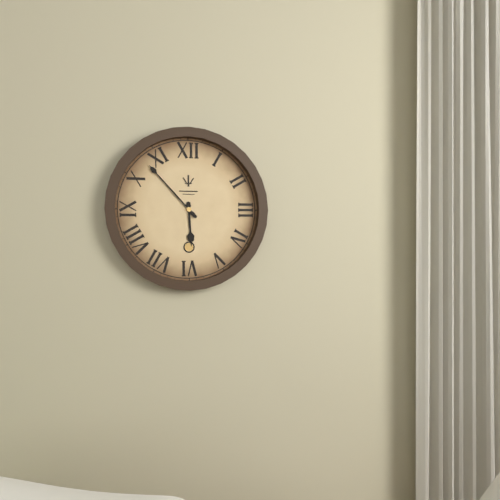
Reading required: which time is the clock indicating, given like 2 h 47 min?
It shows 5 h 53 min
